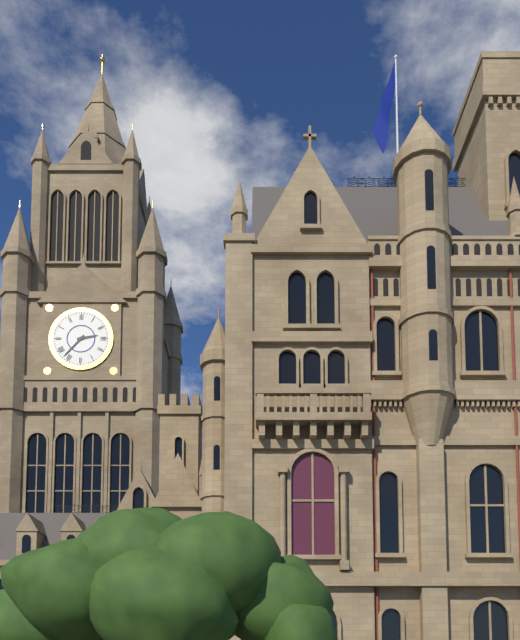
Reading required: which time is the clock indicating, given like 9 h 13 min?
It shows 2 h 37 min
